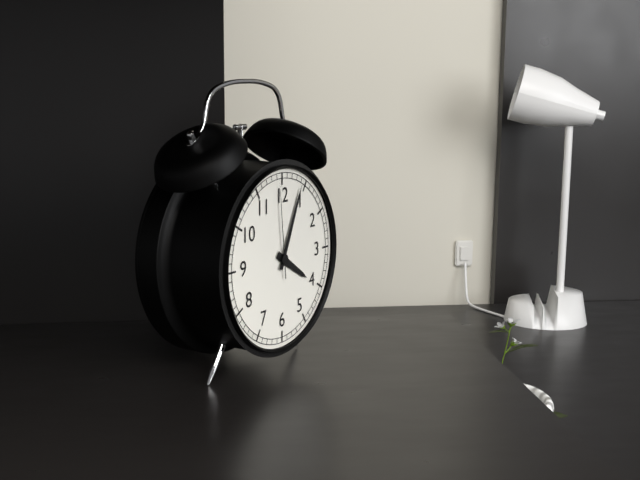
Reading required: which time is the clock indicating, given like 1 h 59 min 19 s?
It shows 4 h 04 min 59 s
